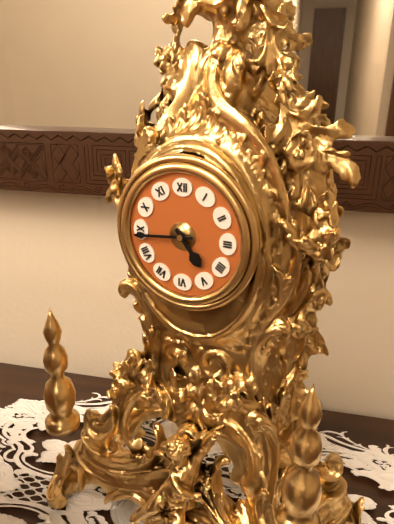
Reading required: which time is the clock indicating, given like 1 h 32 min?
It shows 4 h 44 min
